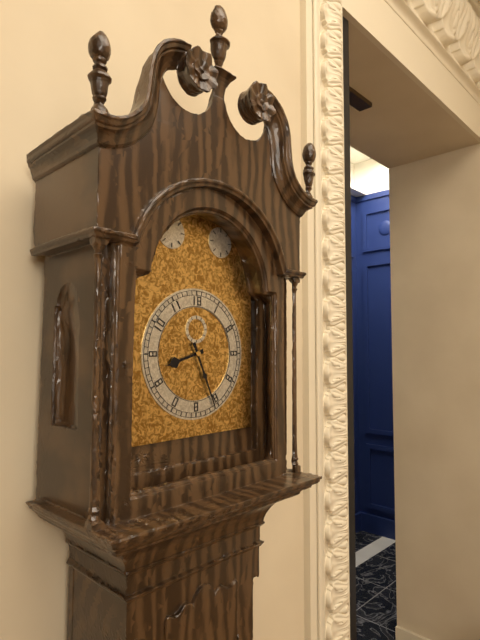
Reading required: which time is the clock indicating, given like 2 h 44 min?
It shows 8 h 26 min
